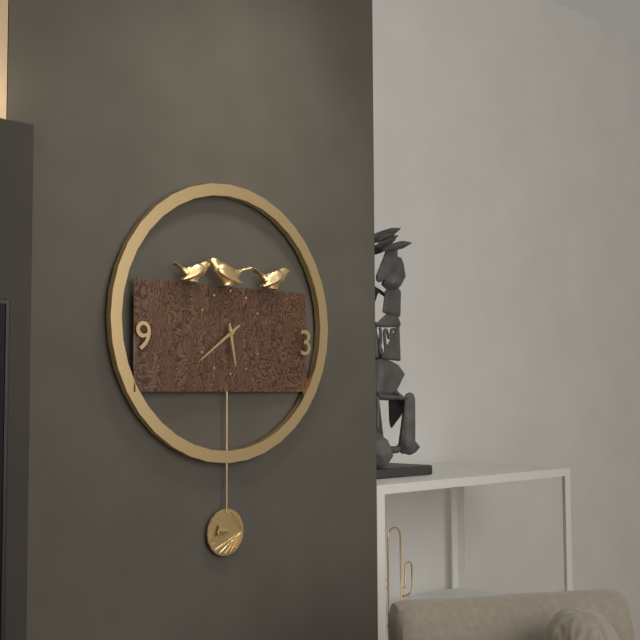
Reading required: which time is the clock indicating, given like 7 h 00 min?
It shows 5 h 39 min
